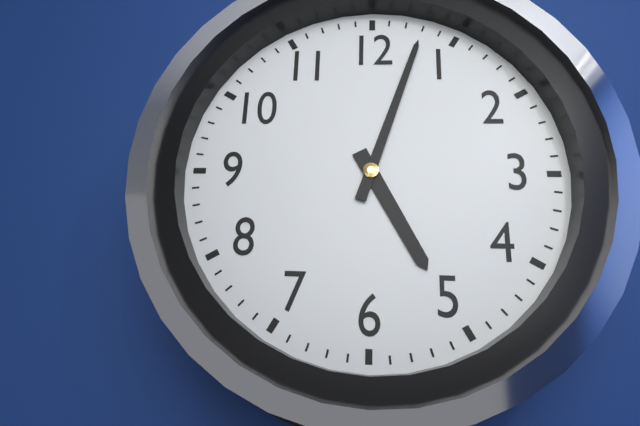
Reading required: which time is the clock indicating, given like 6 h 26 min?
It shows 5 h 03 min
